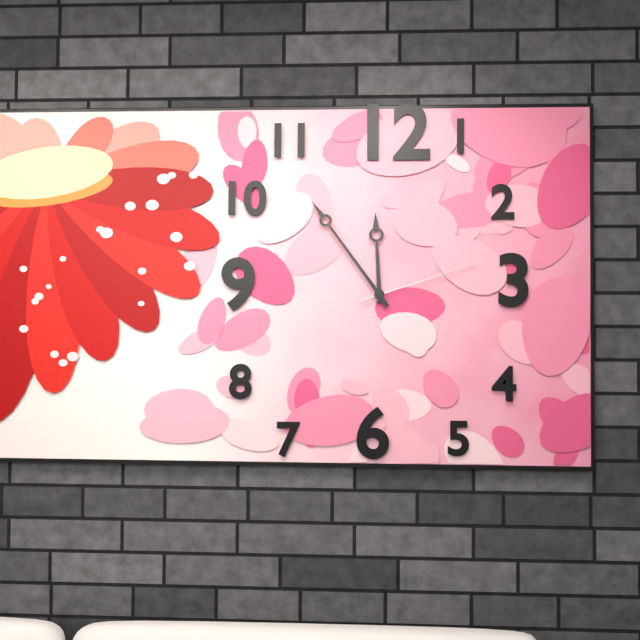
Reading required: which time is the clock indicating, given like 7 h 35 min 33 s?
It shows 11 h 54 min 12 s
